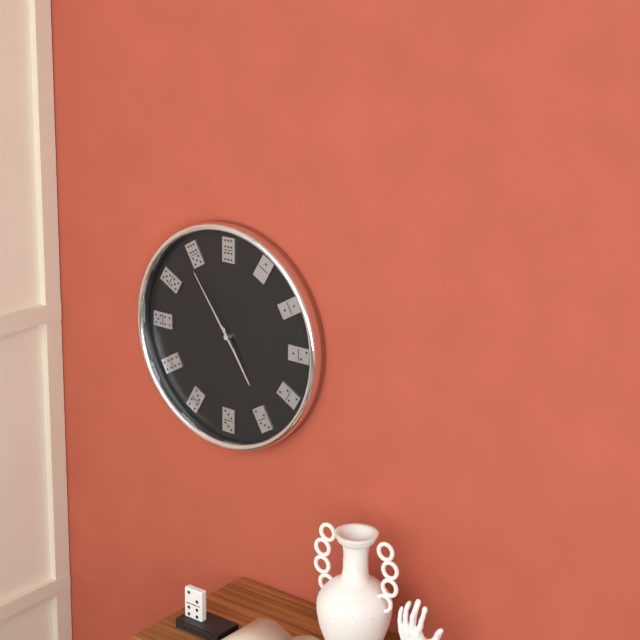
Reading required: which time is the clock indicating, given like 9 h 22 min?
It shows 4 h 54 min
